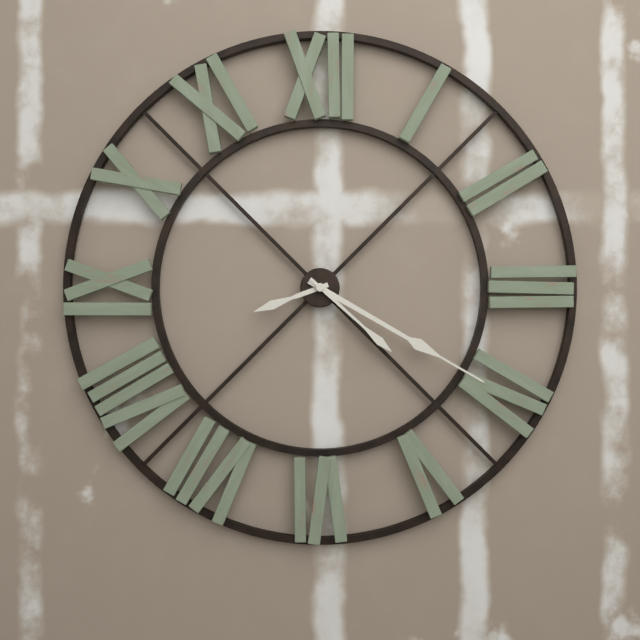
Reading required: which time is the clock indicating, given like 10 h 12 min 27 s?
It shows 8 h 20 min 22 s
